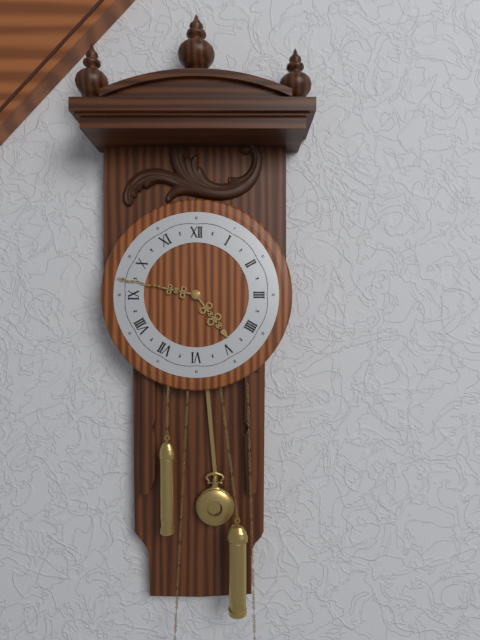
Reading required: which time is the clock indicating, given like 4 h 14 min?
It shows 4 h 47 min
